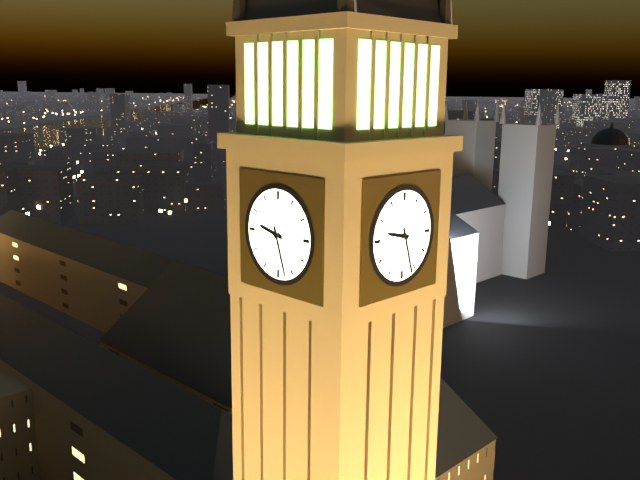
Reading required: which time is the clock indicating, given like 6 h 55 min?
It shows 9 h 27 min
